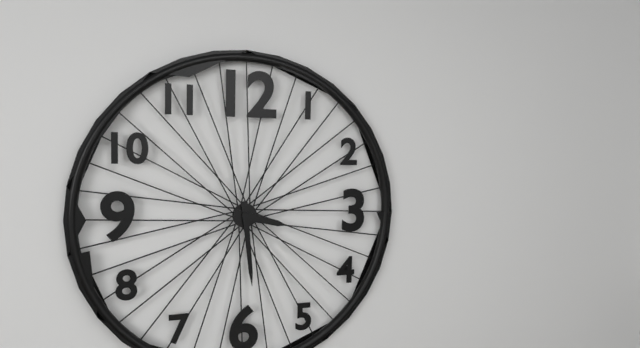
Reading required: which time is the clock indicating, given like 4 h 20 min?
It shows 3 h 29 min
